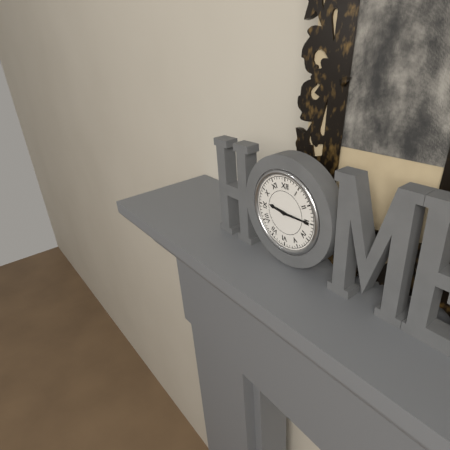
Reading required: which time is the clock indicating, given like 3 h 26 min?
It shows 9 h 15 min
